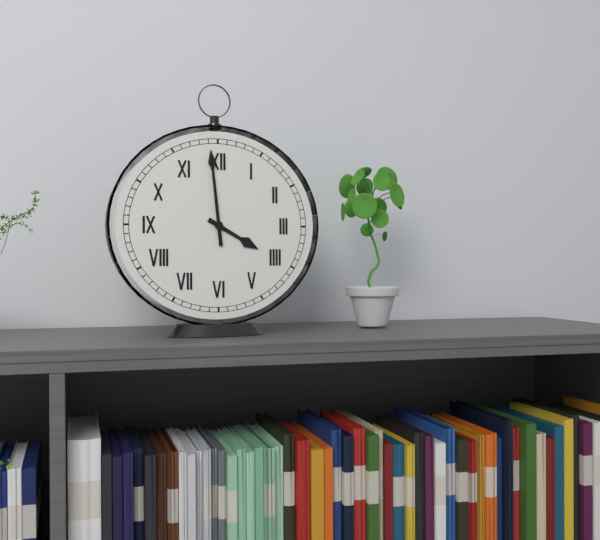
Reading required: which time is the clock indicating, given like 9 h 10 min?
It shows 3 h 59 min
